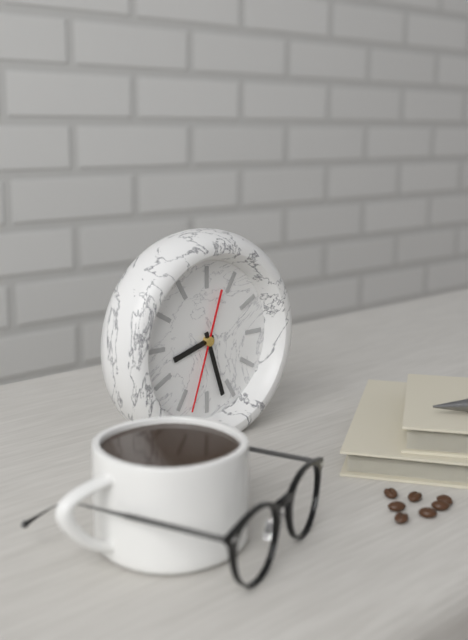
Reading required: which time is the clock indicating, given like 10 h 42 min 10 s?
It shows 8 h 27 min 33 s
